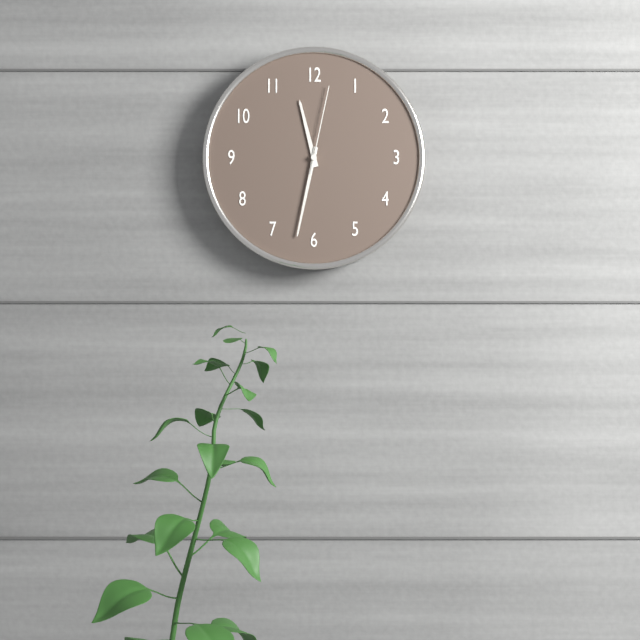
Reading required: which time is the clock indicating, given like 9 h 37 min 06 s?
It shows 11 h 32 min 02 s
